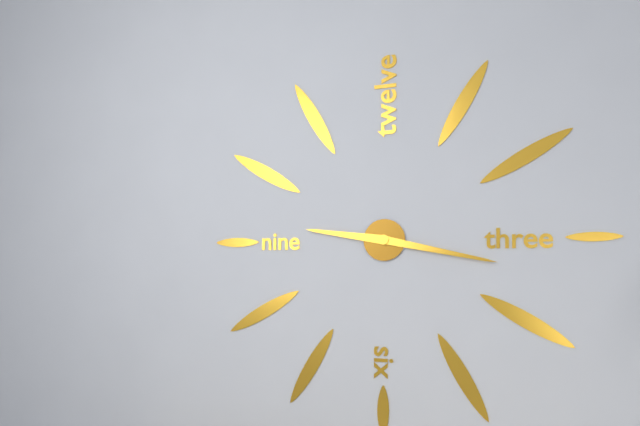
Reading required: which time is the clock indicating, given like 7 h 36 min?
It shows 9 h 17 min
